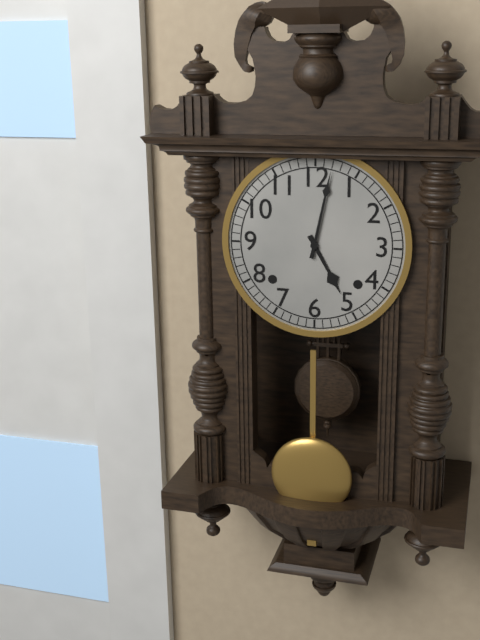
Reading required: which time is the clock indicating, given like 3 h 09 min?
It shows 5 h 02 min
